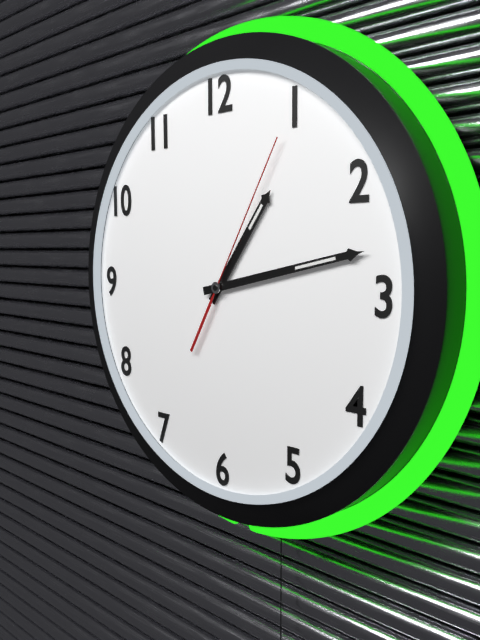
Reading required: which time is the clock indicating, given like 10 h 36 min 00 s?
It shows 1 h 13 min 05 s
